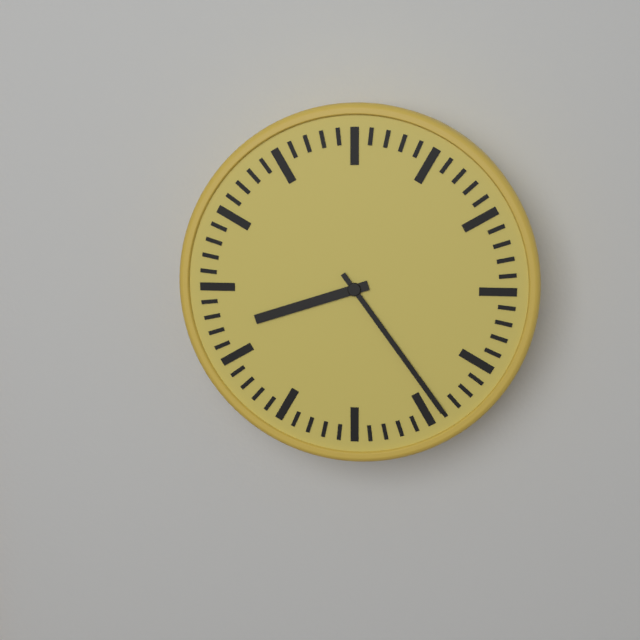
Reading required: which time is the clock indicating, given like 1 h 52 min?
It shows 8 h 24 min
